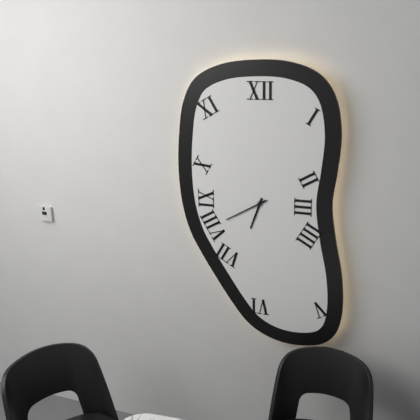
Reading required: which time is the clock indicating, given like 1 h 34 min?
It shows 6 h 40 min
